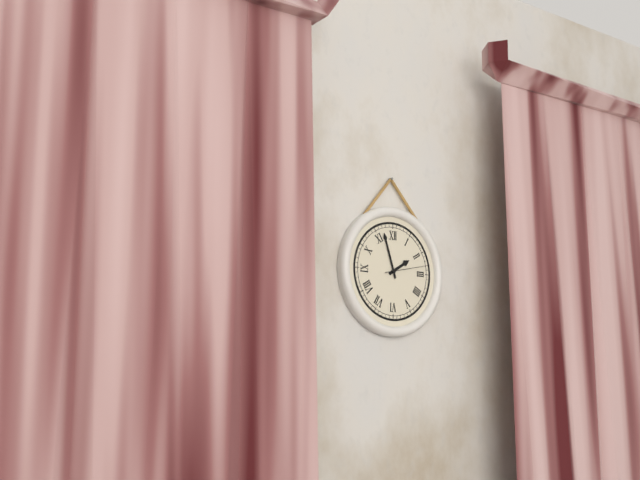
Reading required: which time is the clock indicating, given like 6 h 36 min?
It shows 1 h 57 min
